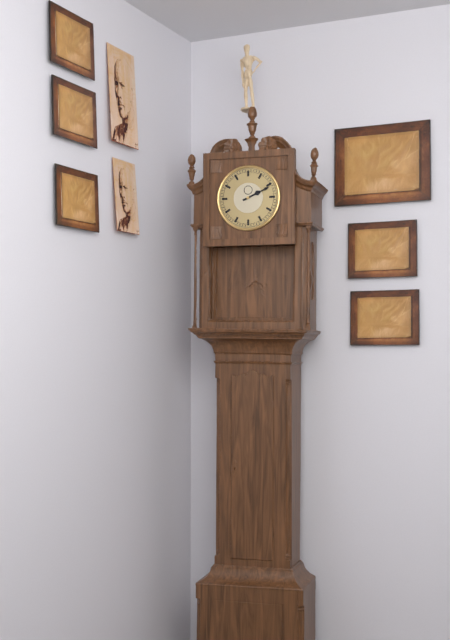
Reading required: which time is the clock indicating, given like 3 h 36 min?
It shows 2 h 11 min
